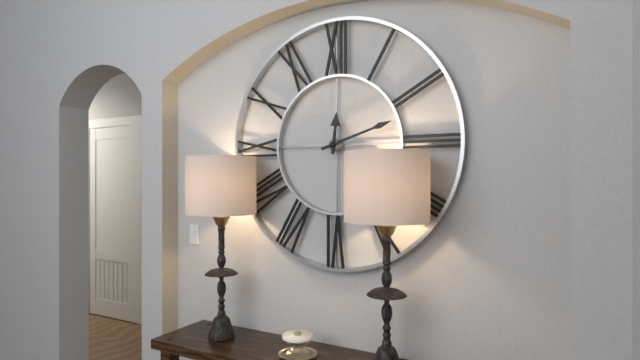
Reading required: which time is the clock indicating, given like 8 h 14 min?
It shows 12 h 12 min
